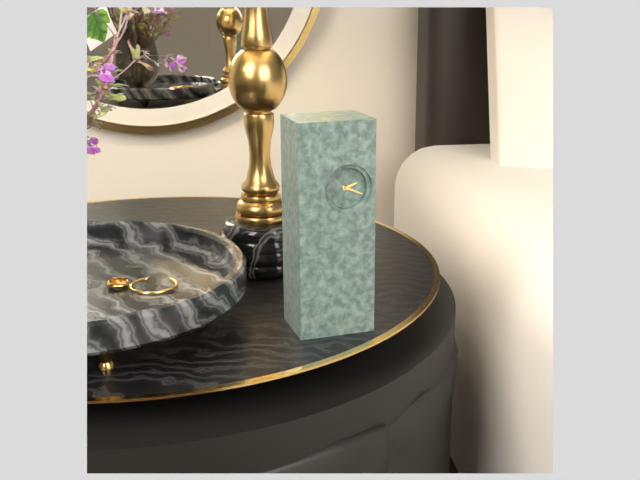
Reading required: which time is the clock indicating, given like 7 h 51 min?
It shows 2 h 19 min
